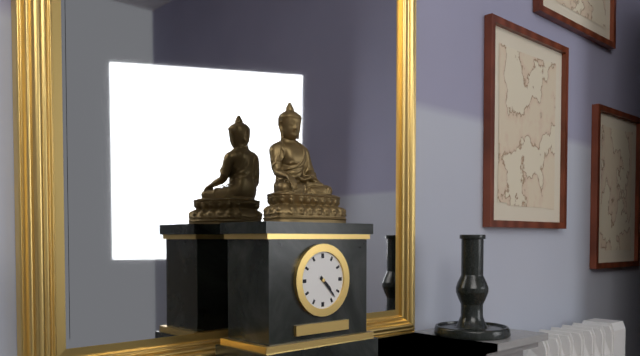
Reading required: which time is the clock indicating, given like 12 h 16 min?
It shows 4 h 23 min
